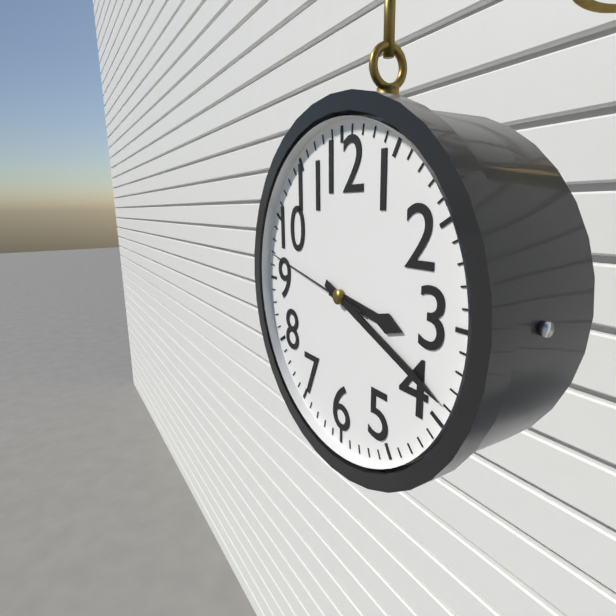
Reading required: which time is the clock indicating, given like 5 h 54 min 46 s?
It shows 3 h 19 min 47 s
